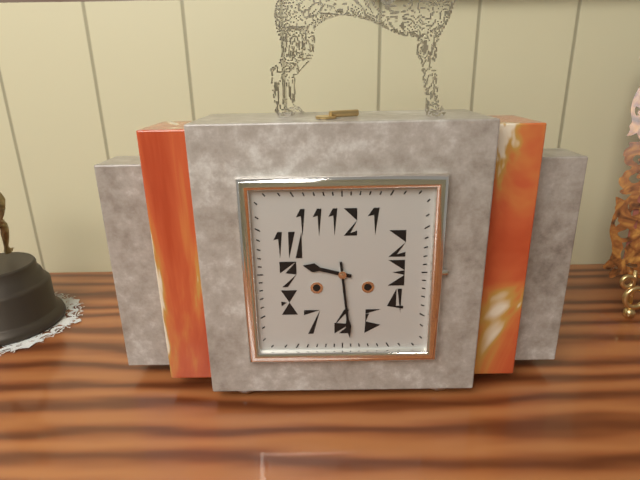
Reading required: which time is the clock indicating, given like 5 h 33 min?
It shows 9 h 29 min
